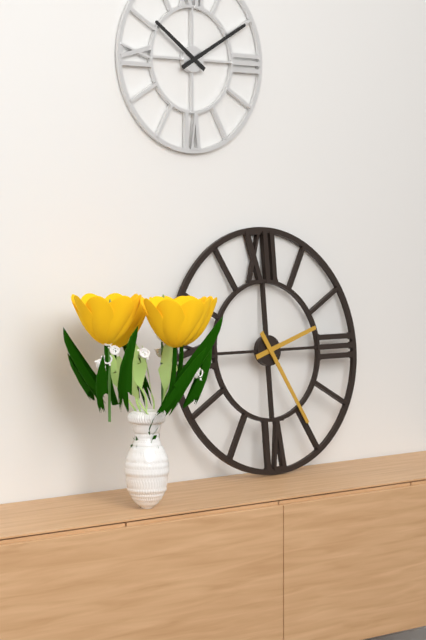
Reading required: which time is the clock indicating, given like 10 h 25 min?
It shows 2 h 25 min
